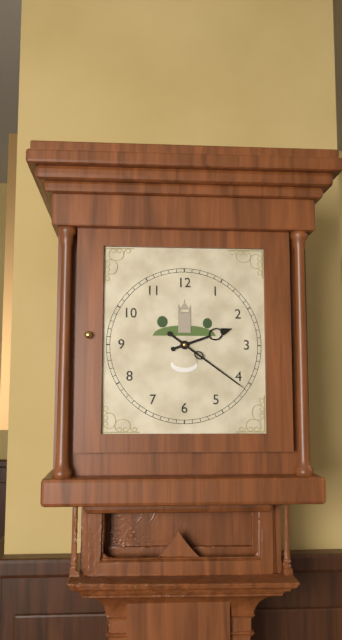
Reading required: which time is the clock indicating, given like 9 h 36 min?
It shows 2 h 21 min
